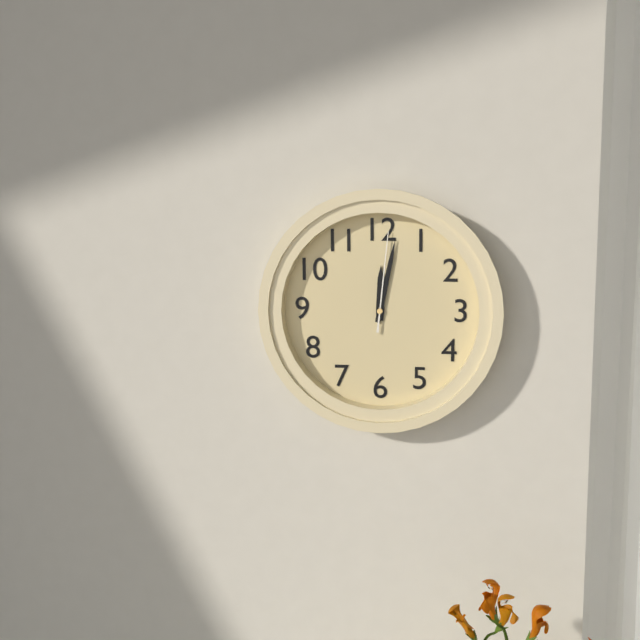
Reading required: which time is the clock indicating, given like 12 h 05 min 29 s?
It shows 12 h 02 min 01 s
